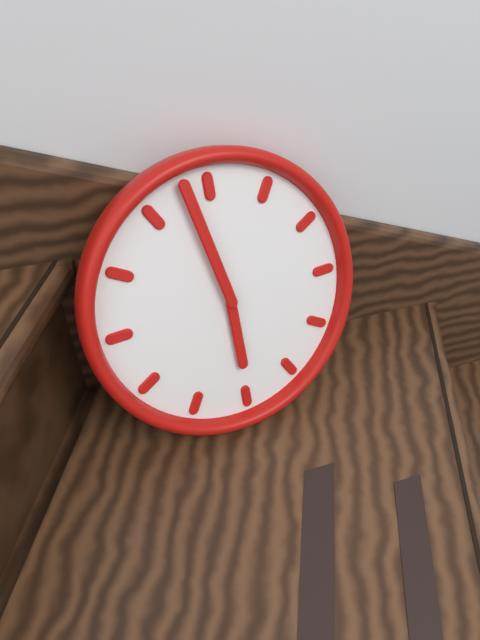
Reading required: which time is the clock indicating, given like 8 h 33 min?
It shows 5 h 58 min
